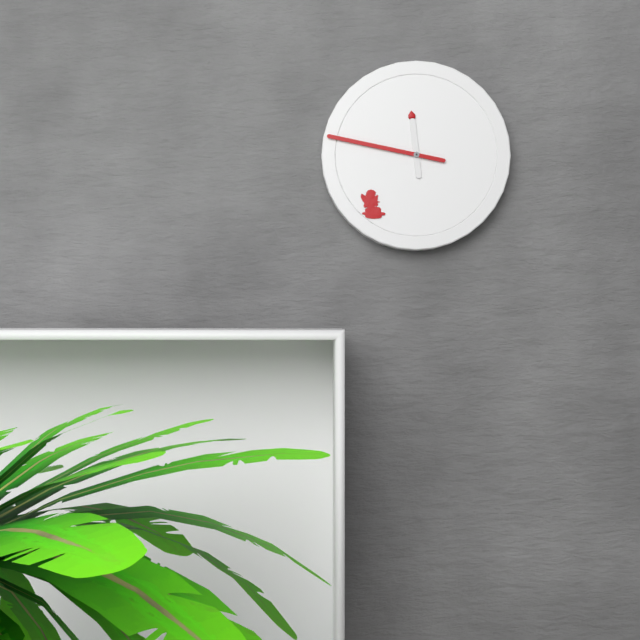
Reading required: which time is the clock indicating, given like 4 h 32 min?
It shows 11 h 47 min
